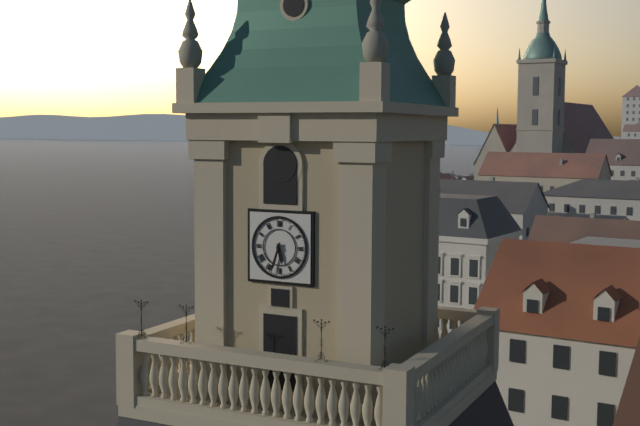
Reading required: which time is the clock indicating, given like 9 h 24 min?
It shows 5 h 33 min
